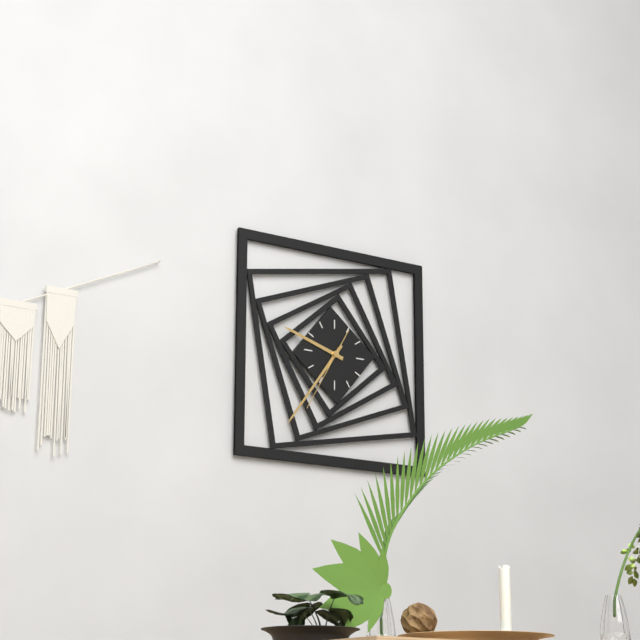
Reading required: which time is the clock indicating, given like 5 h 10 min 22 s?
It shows 9 h 36 min 35 s
